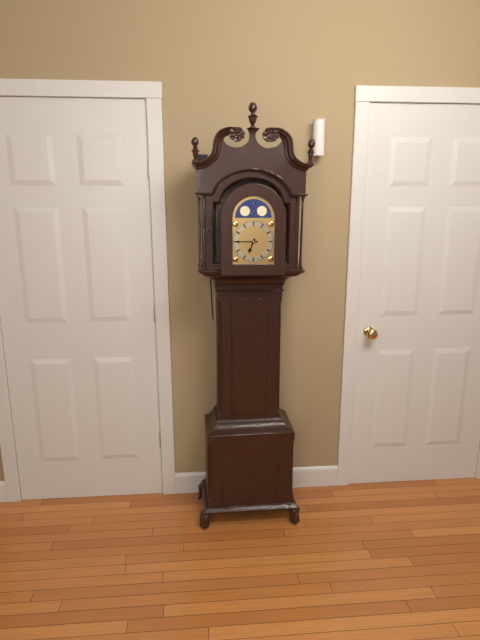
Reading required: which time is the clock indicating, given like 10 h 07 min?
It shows 6 h 45 min
